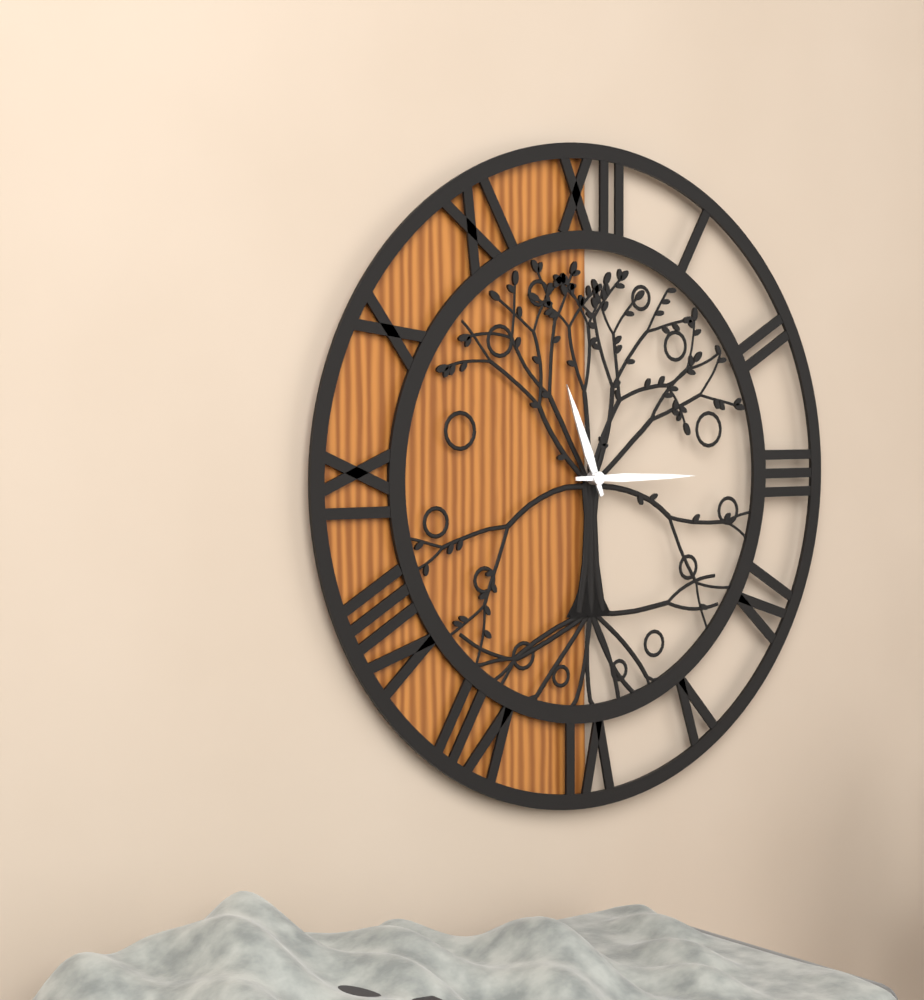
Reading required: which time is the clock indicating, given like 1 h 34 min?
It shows 11 h 15 min
